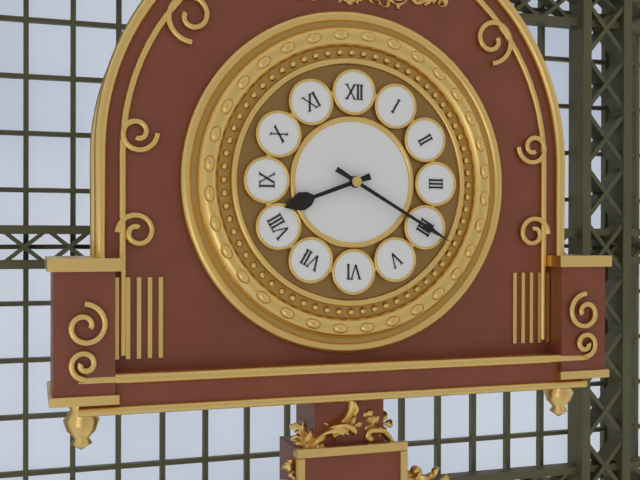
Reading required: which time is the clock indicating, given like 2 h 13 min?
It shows 8 h 20 min
